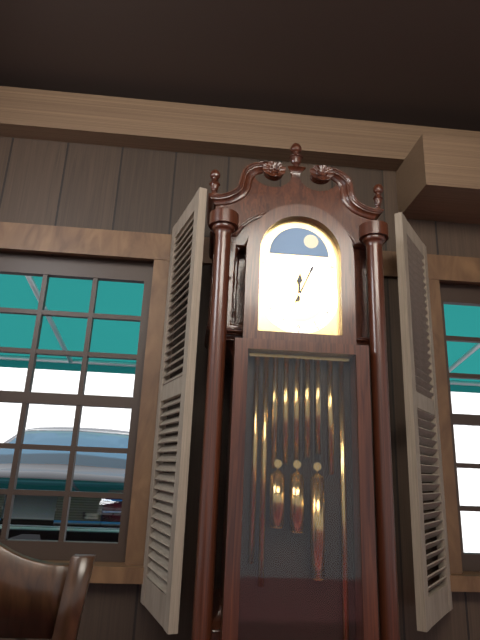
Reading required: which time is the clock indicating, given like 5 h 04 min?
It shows 12 h 04 min
